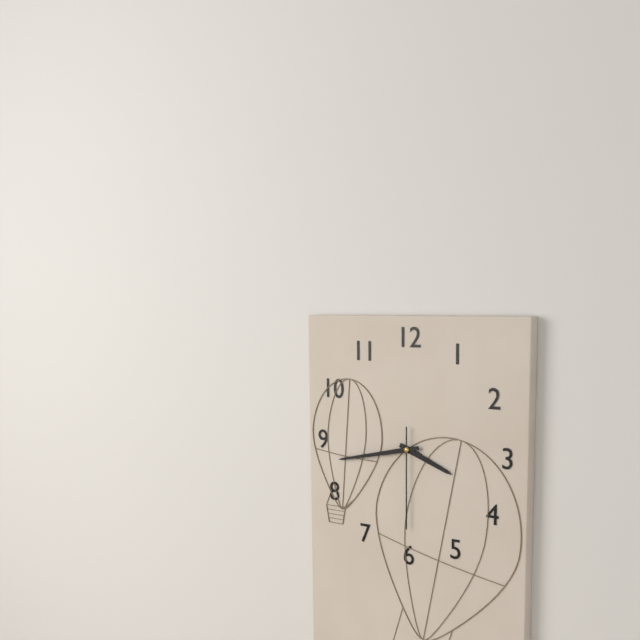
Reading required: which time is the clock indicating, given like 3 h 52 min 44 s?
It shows 3 h 43 min 30 s
